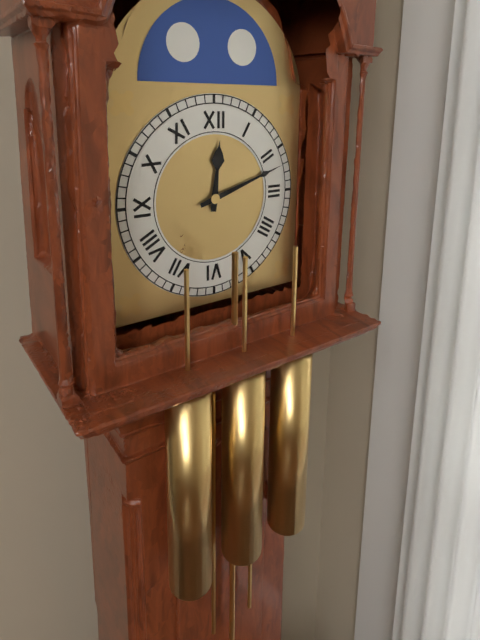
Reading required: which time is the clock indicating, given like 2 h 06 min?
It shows 12 h 12 min
